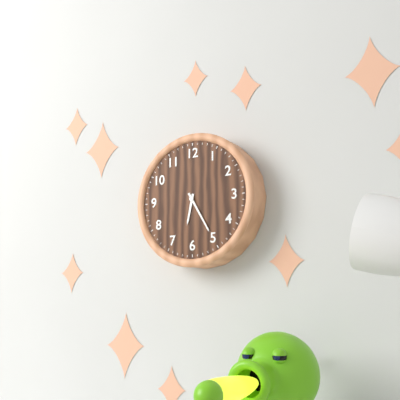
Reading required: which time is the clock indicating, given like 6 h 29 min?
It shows 6 h 25 min
